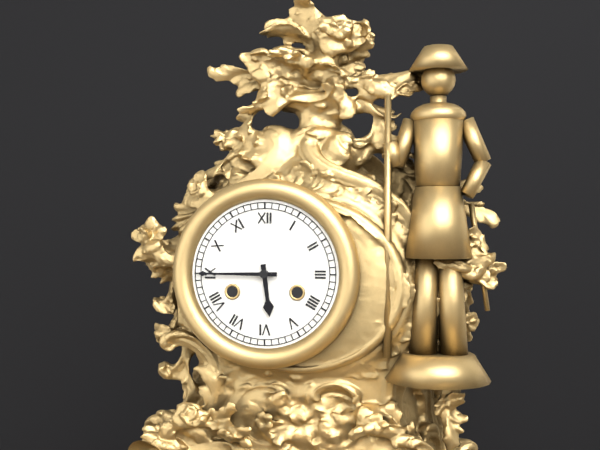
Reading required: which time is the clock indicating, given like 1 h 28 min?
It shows 5 h 45 min
